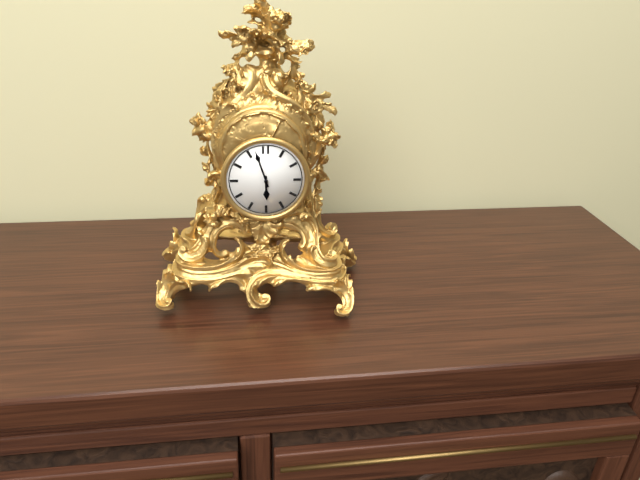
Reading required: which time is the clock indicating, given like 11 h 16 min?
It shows 5 h 57 min
